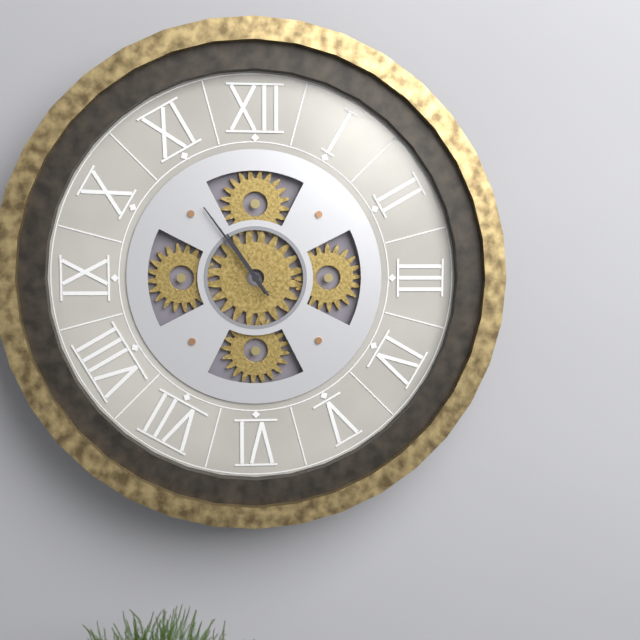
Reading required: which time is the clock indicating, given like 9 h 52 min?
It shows 10 h 54 min
